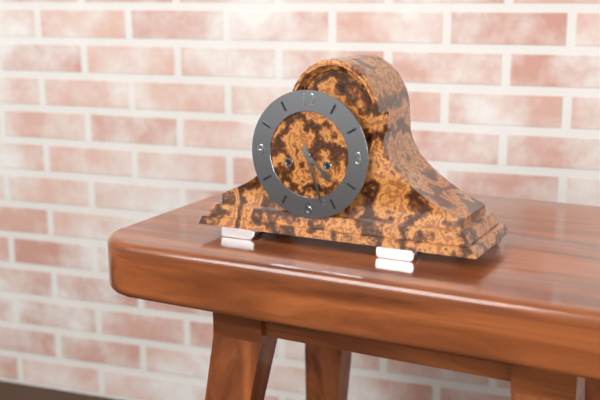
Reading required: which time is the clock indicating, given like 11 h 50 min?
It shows 4 h 27 min
